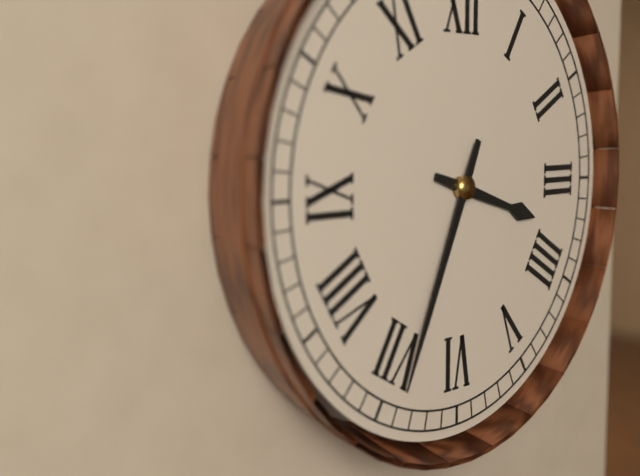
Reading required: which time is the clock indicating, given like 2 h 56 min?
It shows 3 h 34 min
